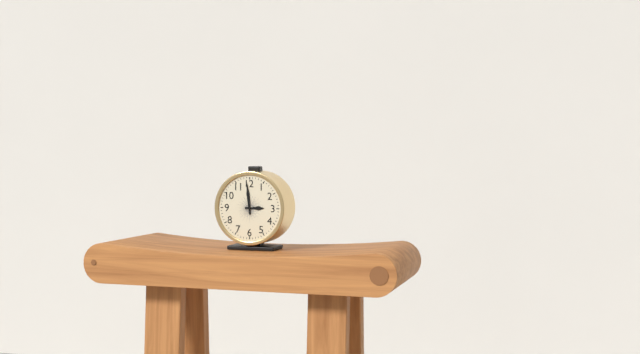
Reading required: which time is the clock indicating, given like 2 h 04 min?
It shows 2 h 59 min
